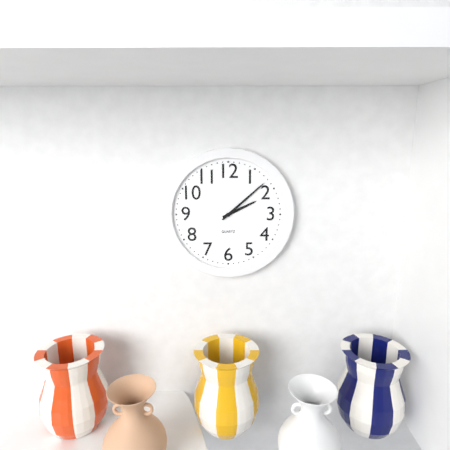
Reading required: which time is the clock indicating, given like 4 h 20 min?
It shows 2 h 08 min
